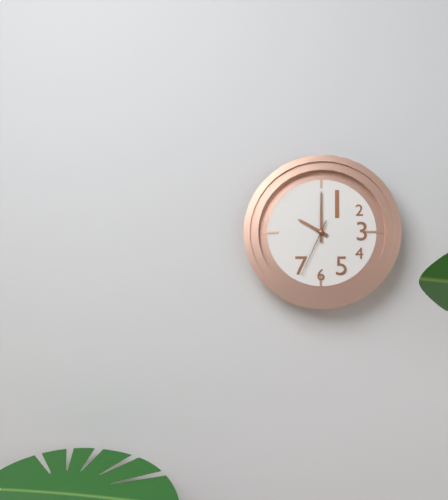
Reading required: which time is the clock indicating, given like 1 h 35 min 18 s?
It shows 10 h 00 min 34 s
